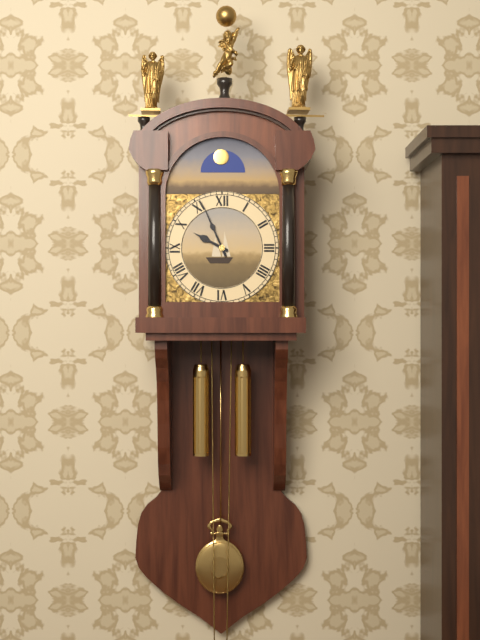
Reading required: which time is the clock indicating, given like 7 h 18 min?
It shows 9 h 56 min
